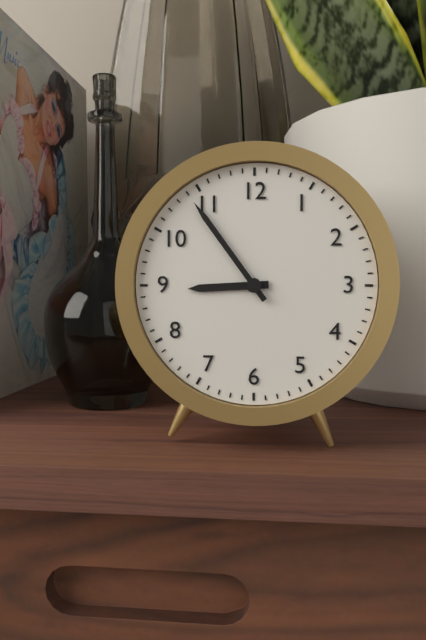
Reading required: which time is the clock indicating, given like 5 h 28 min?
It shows 8 h 54 min
